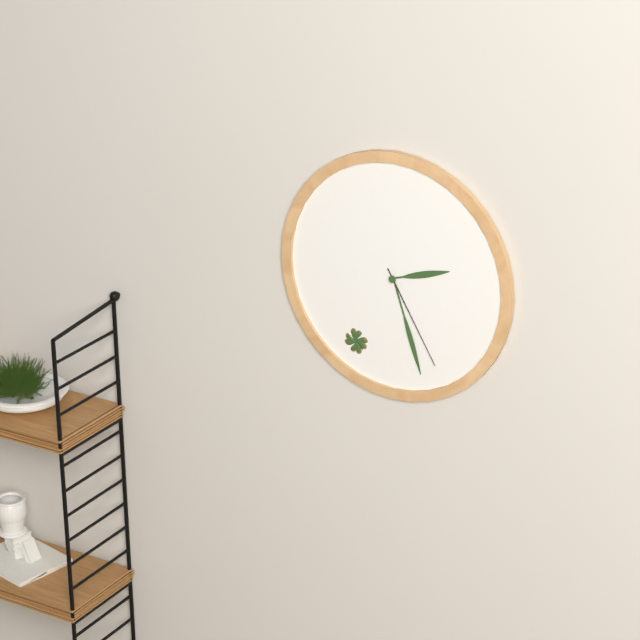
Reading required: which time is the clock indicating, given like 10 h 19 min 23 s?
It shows 2 h 27 min 25 s
